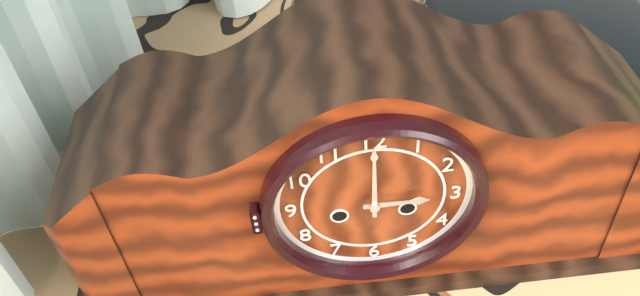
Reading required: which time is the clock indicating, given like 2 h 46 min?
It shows 3 h 00 min
